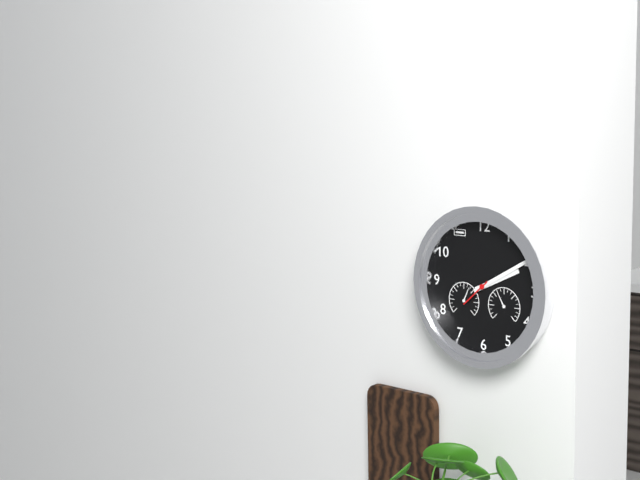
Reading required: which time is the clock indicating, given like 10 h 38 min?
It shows 2 h 10 min
